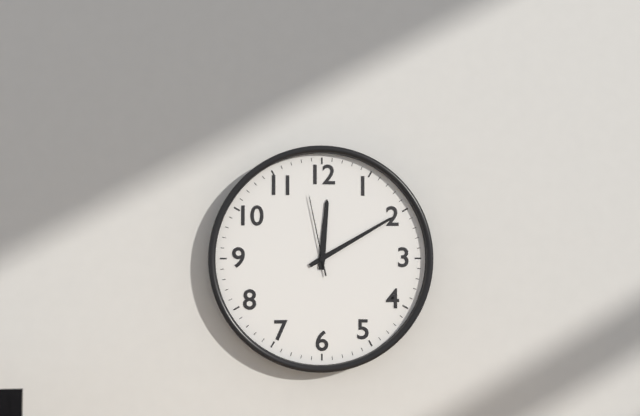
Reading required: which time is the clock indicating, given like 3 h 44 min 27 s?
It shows 12 h 10 min 58 s
